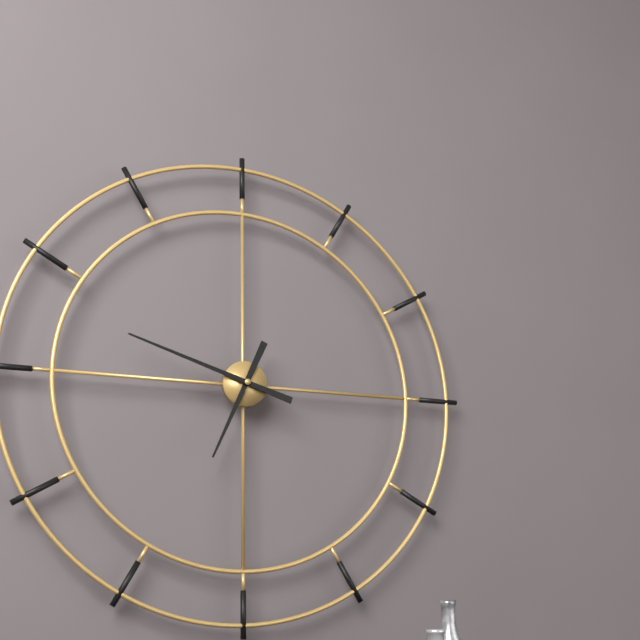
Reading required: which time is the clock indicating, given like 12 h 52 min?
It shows 6 h 48 min
